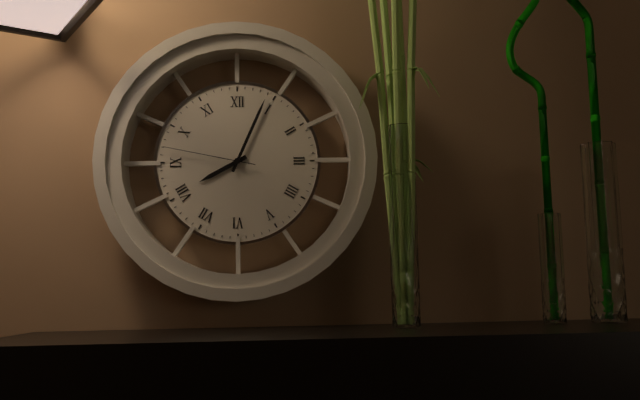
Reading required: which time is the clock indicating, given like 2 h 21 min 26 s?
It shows 8 h 04 min 47 s
